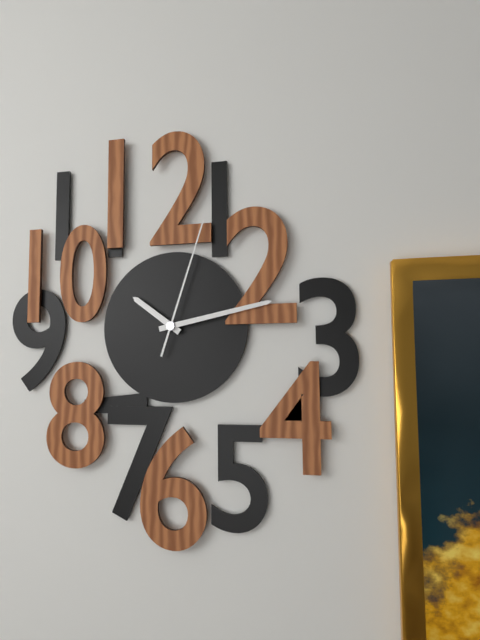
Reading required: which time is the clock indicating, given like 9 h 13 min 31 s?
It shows 10 h 13 min 03 s
